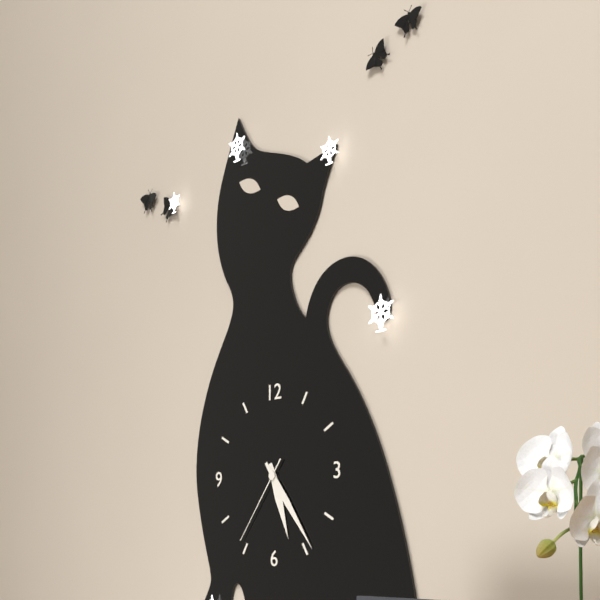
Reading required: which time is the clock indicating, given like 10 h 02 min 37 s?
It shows 5 h 24 min 36 s
